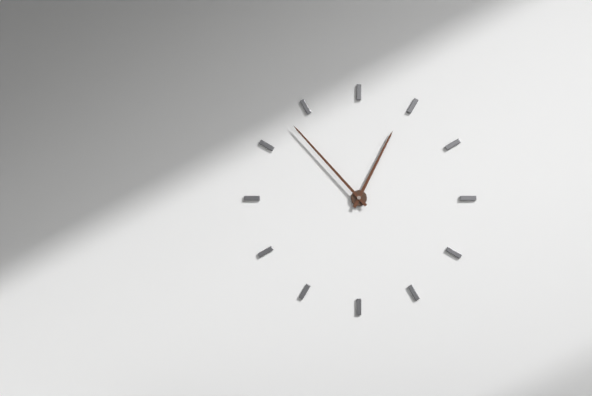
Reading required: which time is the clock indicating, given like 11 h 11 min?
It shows 12 h 53 min
